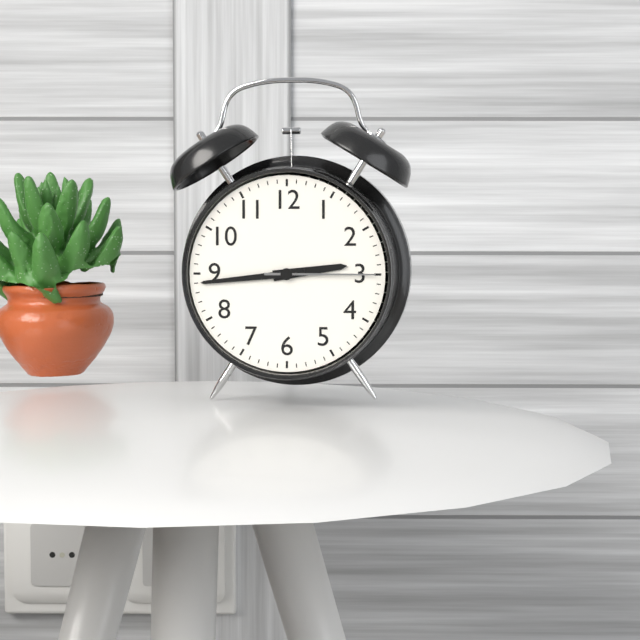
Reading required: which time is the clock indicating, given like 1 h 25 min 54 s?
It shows 2 h 44 min 15 s
